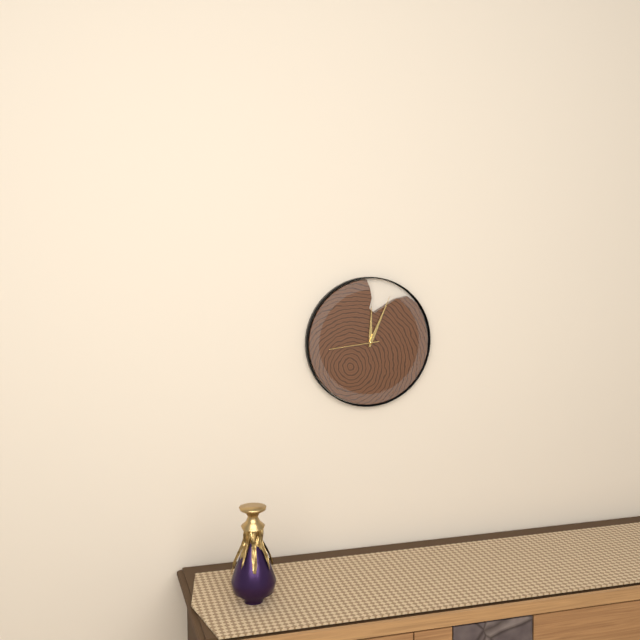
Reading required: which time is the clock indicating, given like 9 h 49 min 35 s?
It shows 12 h 04 min 44 s
